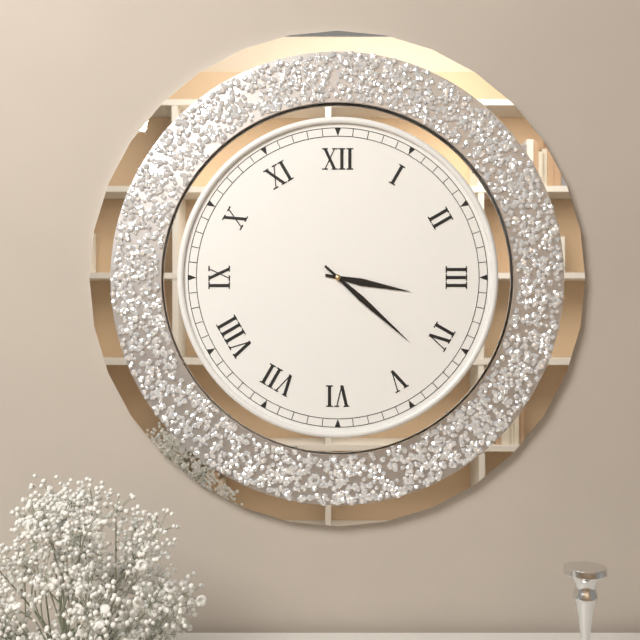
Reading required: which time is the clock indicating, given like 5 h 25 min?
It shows 3 h 22 min
